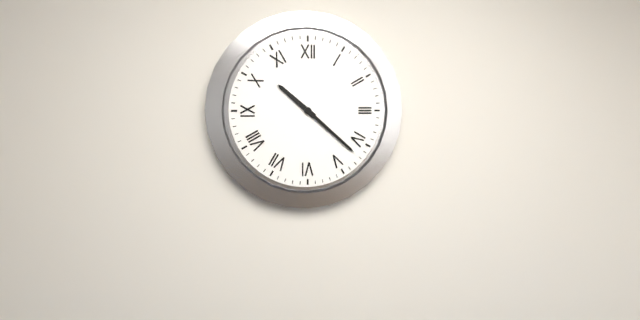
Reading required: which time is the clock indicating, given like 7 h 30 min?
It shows 10 h 22 min
